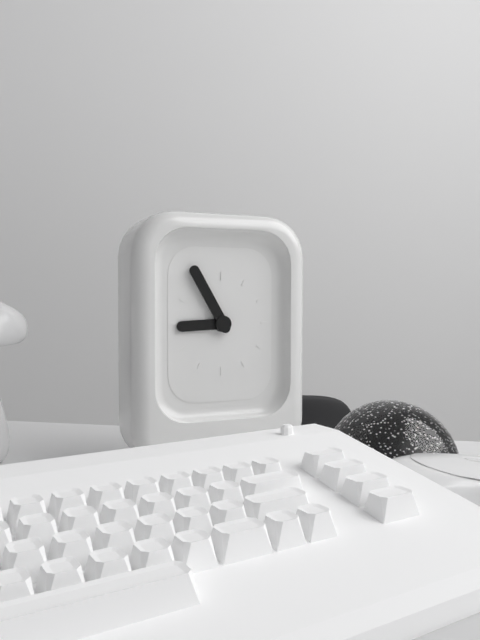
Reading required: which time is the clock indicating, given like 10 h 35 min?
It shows 8 h 55 min
